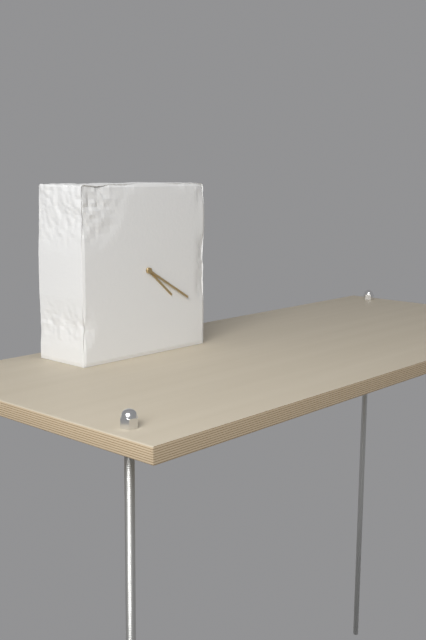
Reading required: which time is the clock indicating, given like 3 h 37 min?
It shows 4 h 20 min
